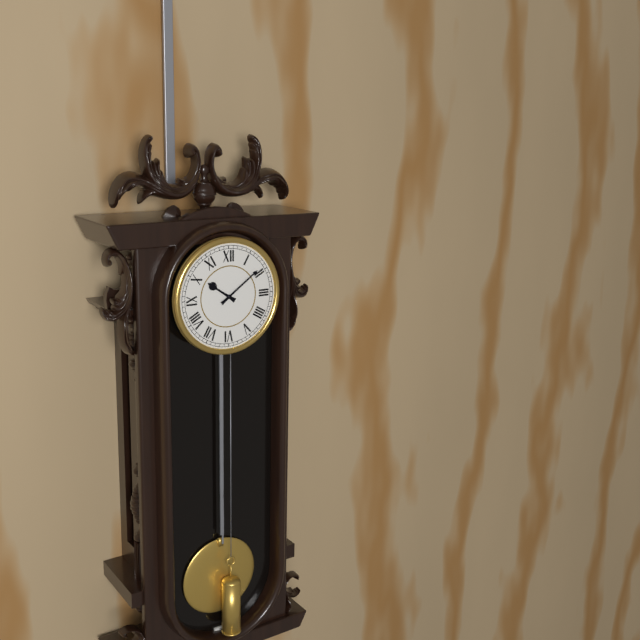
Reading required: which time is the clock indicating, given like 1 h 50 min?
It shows 10 h 09 min
